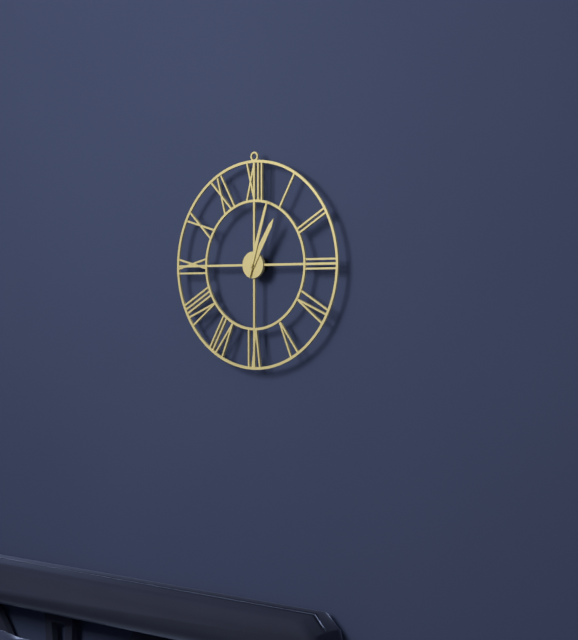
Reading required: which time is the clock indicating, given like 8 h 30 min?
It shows 1 h 03 min
